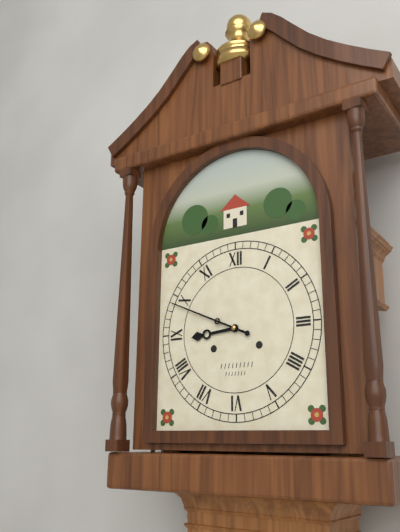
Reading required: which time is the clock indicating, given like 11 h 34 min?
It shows 8 h 49 min
